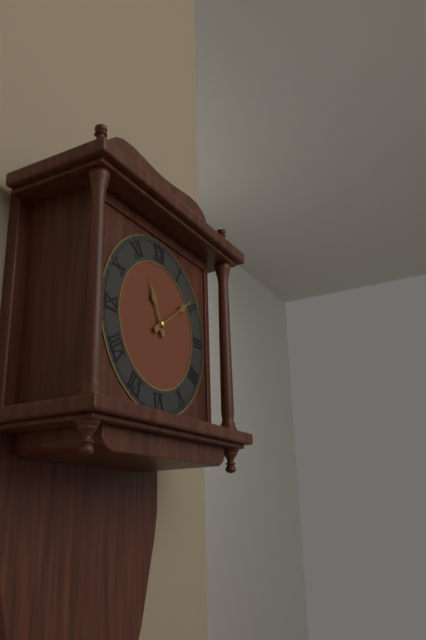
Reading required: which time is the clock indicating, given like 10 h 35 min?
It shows 11 h 09 min
